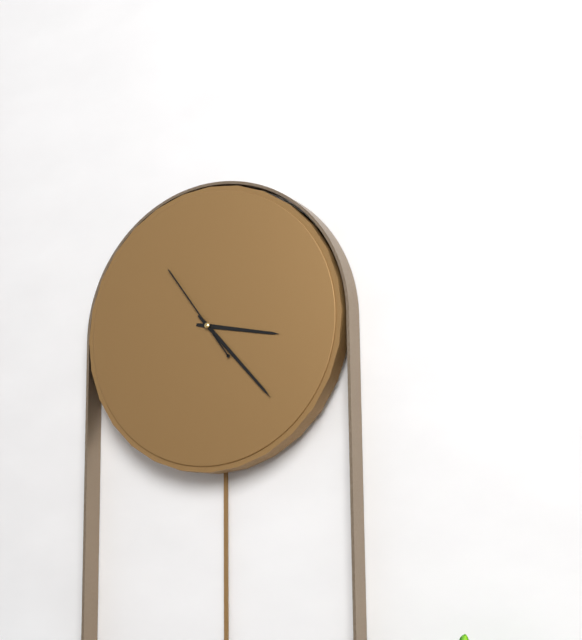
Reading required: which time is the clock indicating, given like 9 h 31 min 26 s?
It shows 3 h 23 min 54 s
